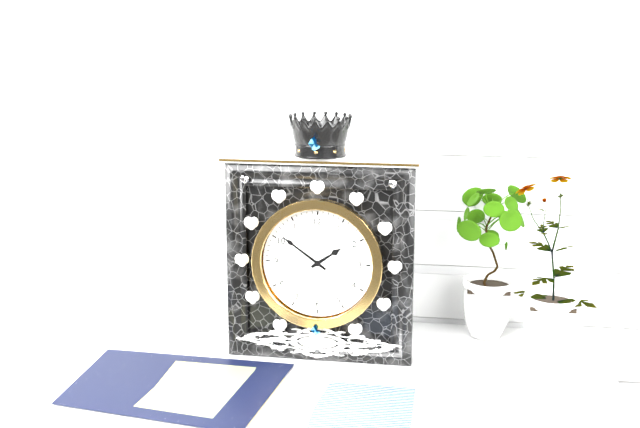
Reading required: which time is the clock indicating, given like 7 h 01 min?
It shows 1 h 51 min
